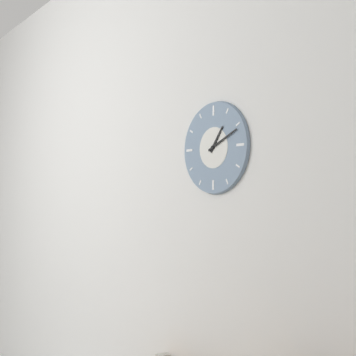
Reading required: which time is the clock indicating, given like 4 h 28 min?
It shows 1 h 11 min
